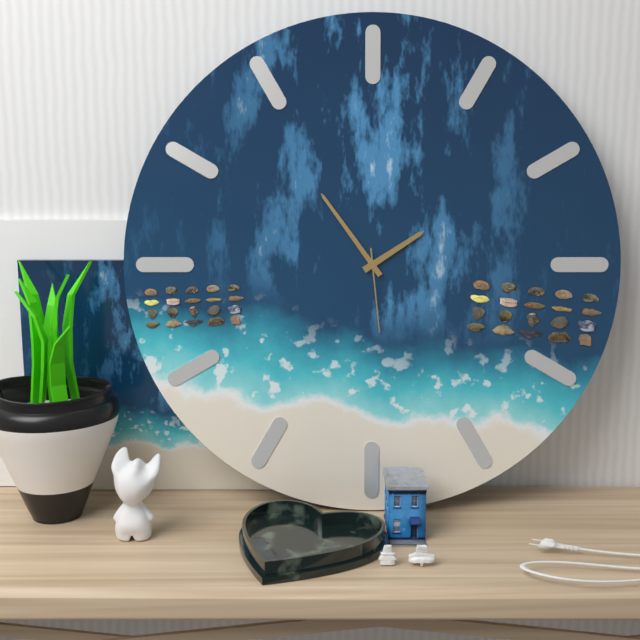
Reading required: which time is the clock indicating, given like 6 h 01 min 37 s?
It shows 1 h 54 min 29 s
